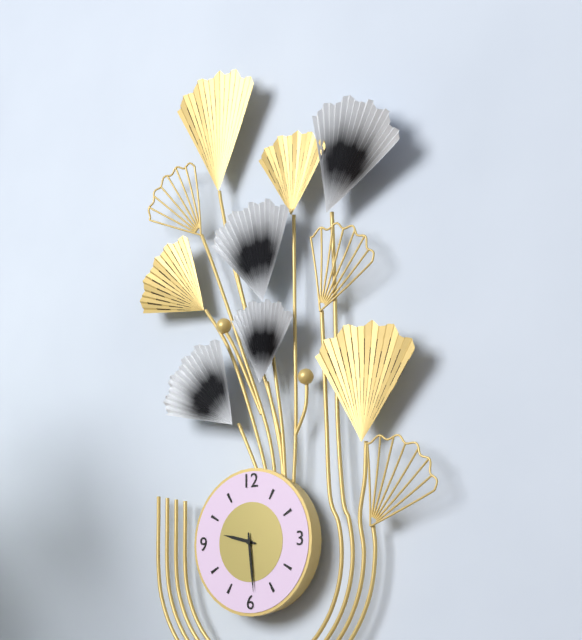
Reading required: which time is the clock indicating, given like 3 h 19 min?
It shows 9 h 29 min
